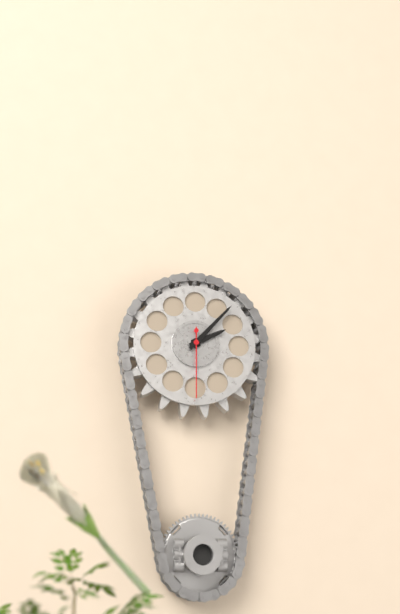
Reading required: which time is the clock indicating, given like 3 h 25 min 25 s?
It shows 2 h 07 min 30 s
